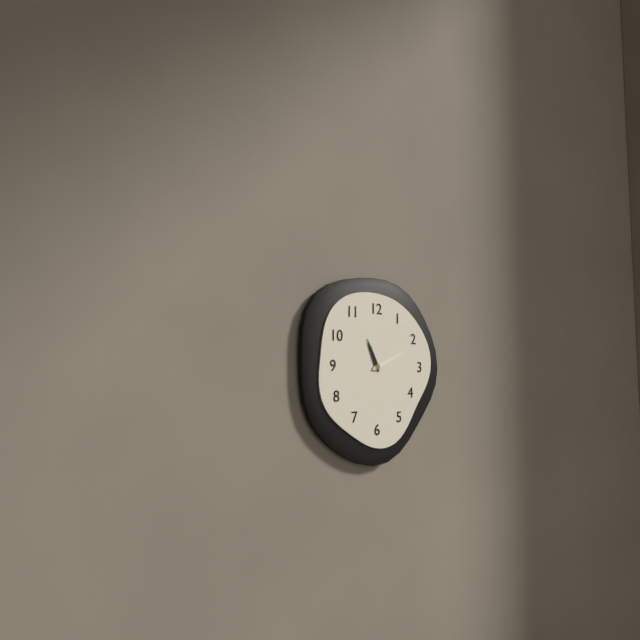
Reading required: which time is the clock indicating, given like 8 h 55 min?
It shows 11 h 11 min
